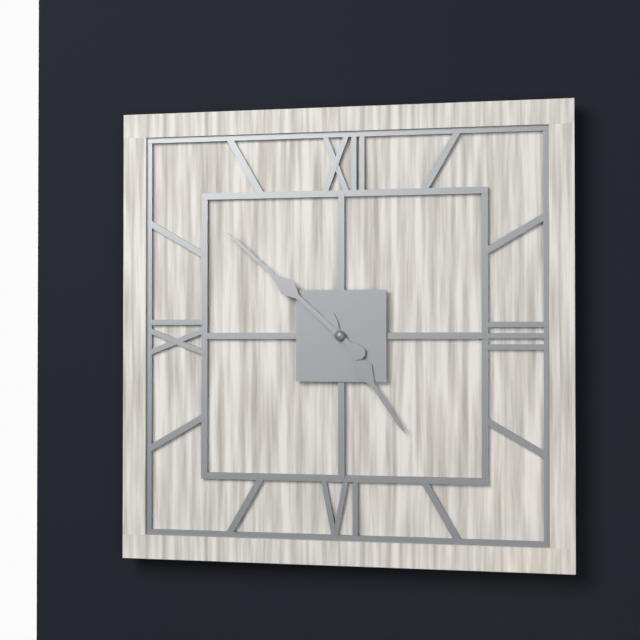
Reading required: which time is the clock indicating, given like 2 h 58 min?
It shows 4 h 52 min
